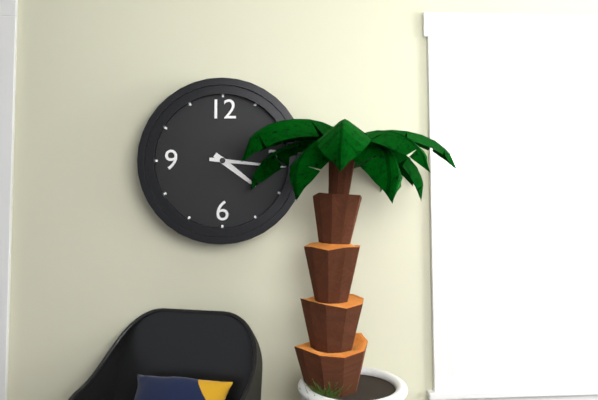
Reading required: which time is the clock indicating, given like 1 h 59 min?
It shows 4 h 16 min
